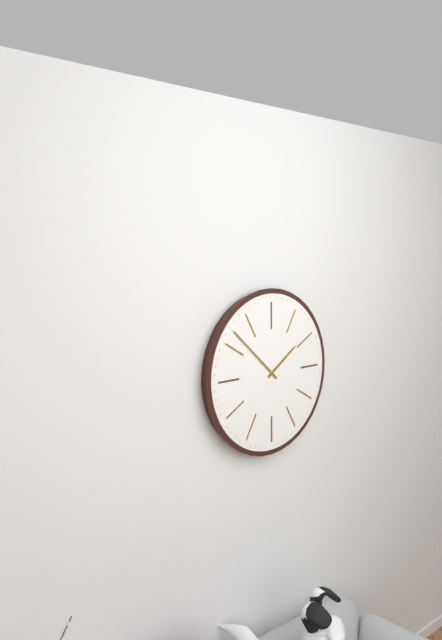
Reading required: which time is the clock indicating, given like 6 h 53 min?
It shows 1 h 52 min
